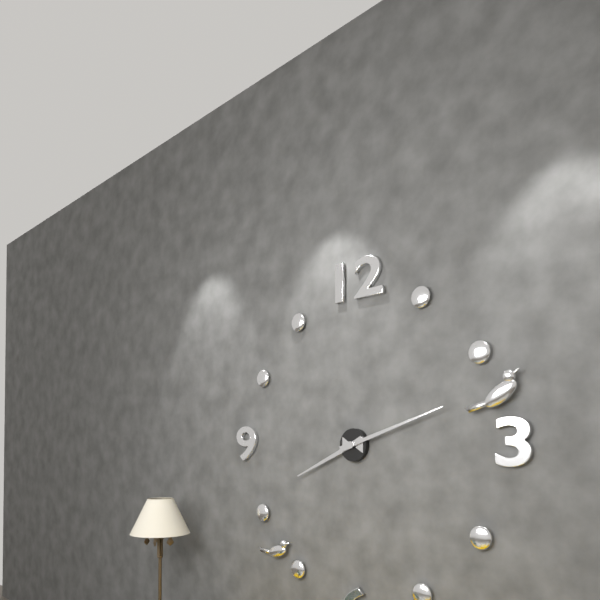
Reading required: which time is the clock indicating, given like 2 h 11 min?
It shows 8 h 12 min
